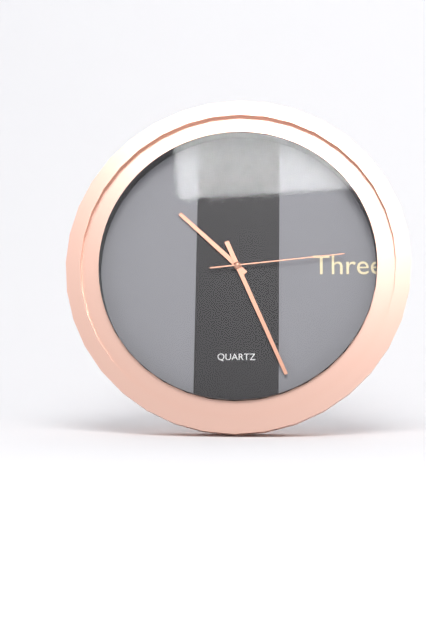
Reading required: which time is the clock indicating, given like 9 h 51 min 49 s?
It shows 10 h 26 min 14 s
